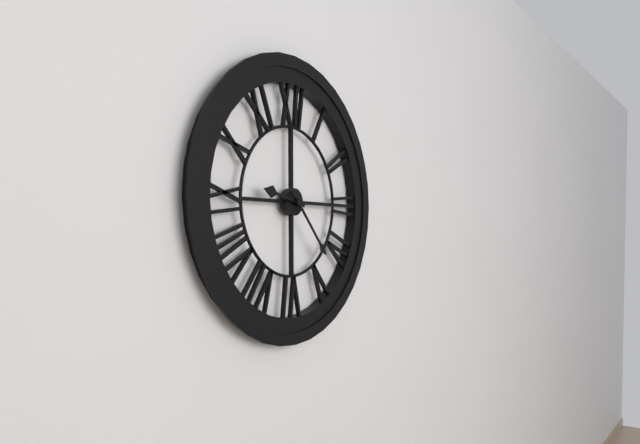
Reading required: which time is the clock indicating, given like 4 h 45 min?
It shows 9 h 23 min
